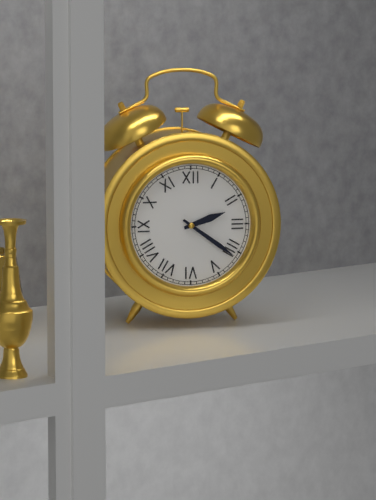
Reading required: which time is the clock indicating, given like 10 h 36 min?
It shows 2 h 21 min
